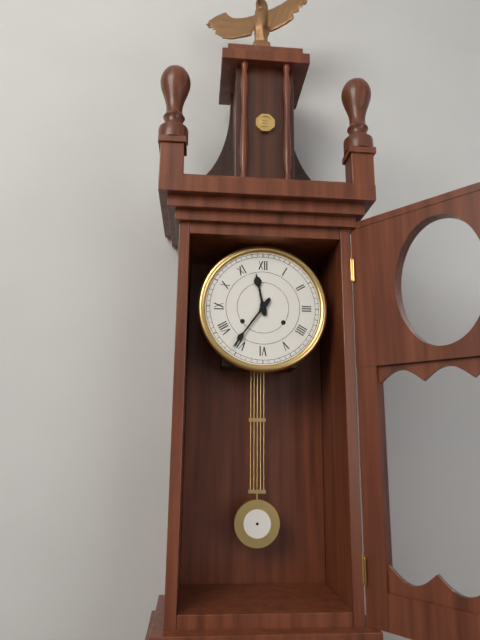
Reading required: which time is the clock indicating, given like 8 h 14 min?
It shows 11 h 36 min
